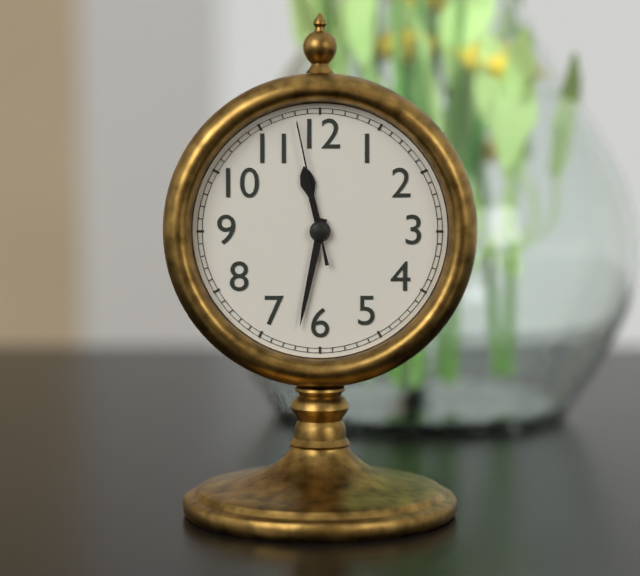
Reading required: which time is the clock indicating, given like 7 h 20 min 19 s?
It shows 11 h 32 min 58 s
